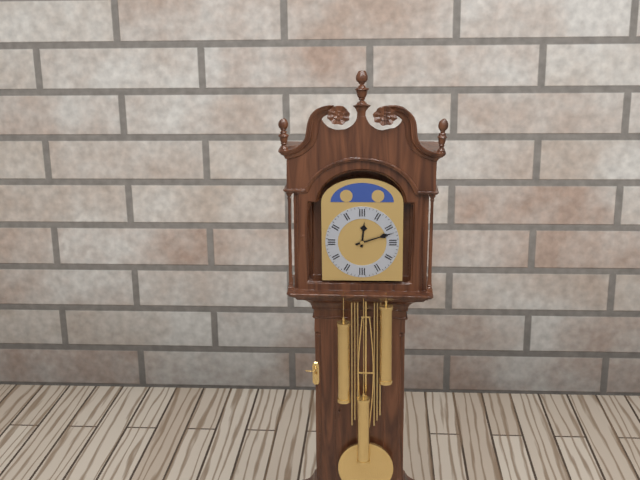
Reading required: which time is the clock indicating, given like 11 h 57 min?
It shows 12 h 12 min
